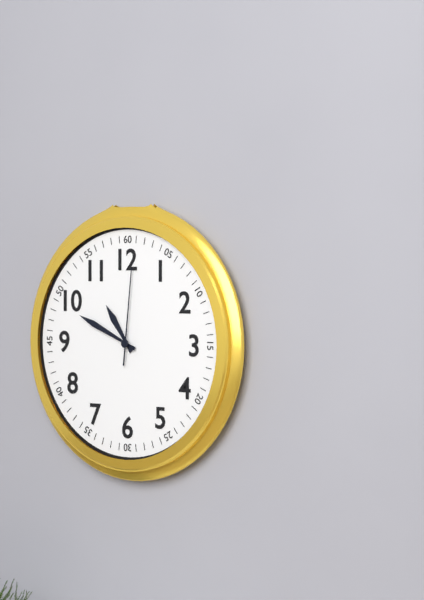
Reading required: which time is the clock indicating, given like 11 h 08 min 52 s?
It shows 10 h 49 min 01 s
